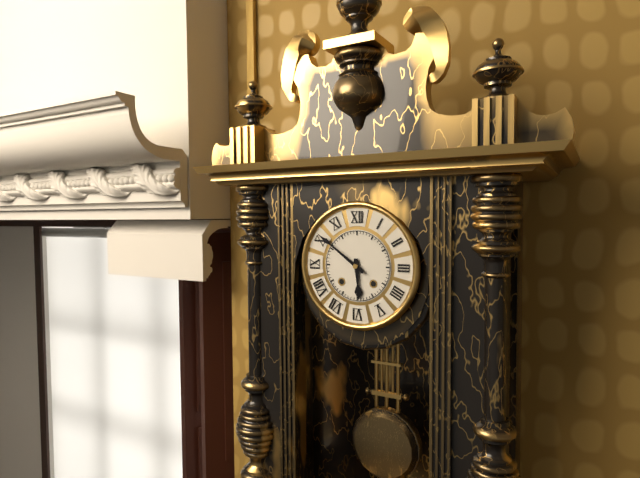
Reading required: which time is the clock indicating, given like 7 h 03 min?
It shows 5 h 51 min
